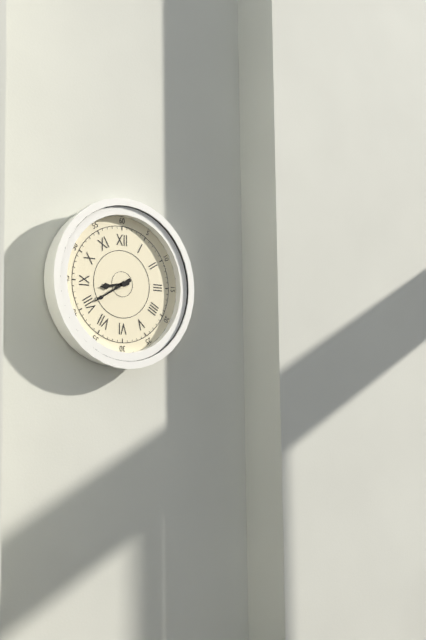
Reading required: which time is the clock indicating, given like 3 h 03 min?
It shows 8 h 40 min
